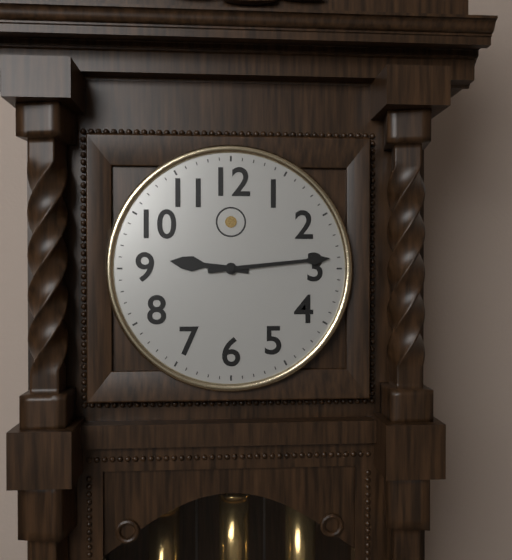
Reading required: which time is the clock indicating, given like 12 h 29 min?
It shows 9 h 14 min
